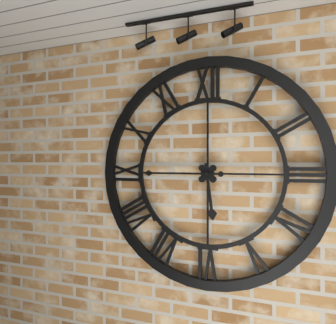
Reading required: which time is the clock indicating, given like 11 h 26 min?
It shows 5 h 45 min
